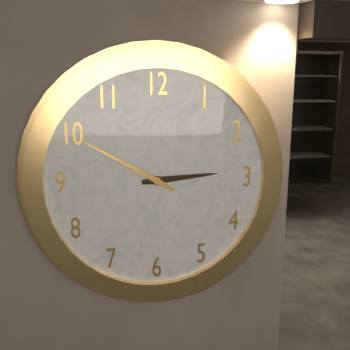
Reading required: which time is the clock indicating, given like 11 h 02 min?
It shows 2 h 50 min
